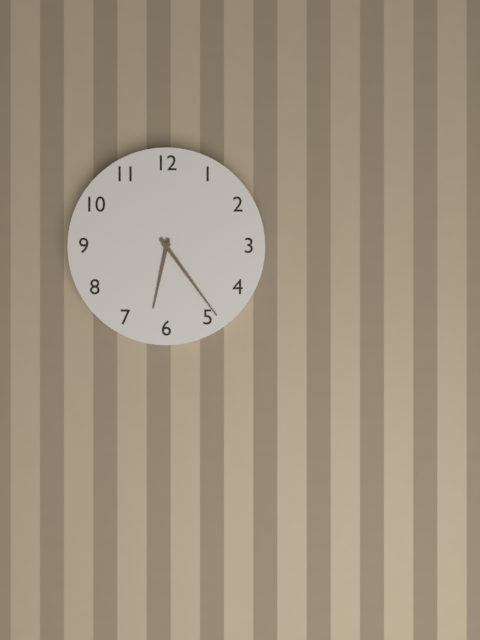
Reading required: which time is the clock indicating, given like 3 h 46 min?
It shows 6 h 24 min
